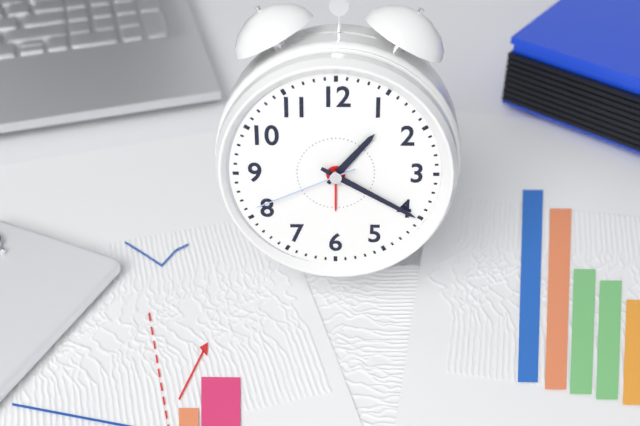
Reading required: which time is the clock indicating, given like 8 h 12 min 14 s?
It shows 1 h 20 min 41 s
